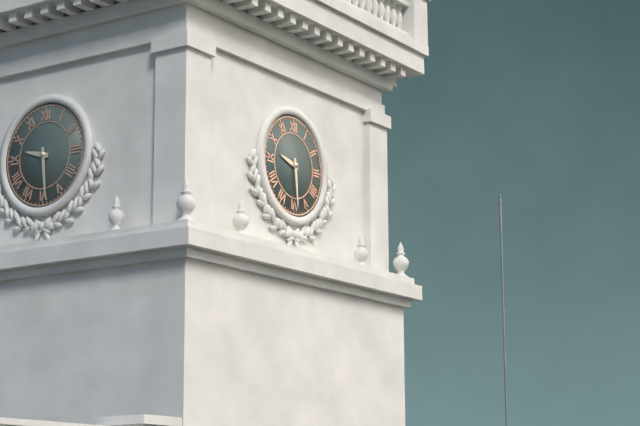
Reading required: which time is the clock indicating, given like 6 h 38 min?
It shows 9 h 29 min
